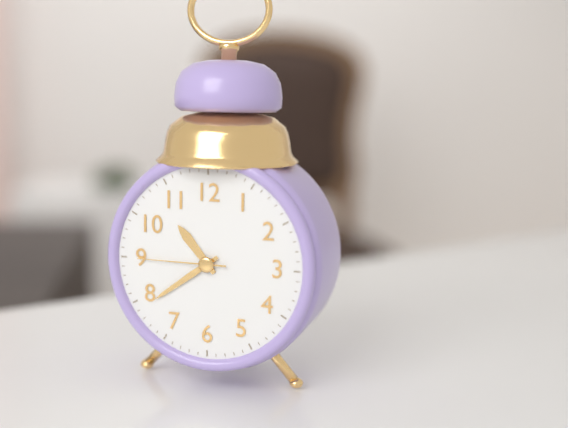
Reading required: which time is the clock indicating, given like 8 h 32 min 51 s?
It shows 10 h 39 min 45 s
